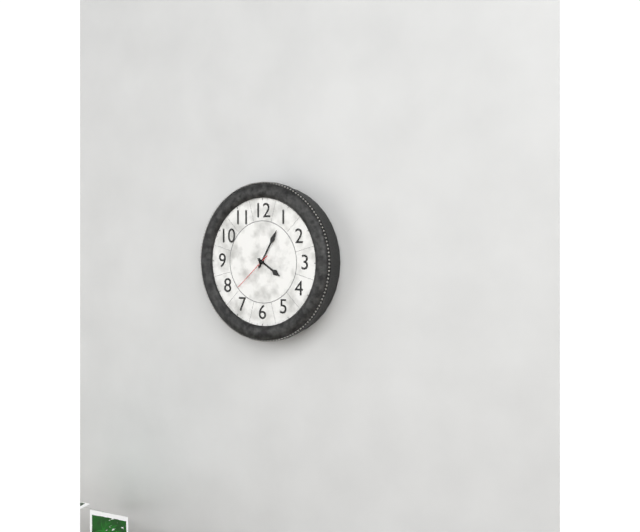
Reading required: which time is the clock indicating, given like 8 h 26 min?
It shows 4 h 05 min
